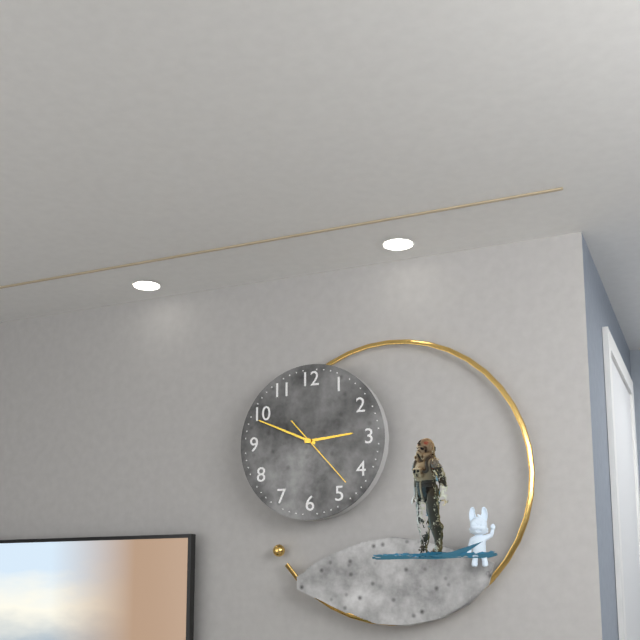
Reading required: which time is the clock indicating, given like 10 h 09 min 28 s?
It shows 2 h 49 min 23 s
